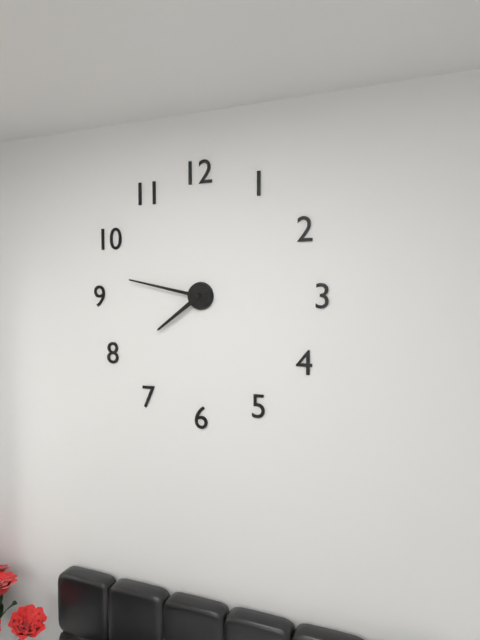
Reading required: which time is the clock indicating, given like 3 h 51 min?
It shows 7 h 47 min
